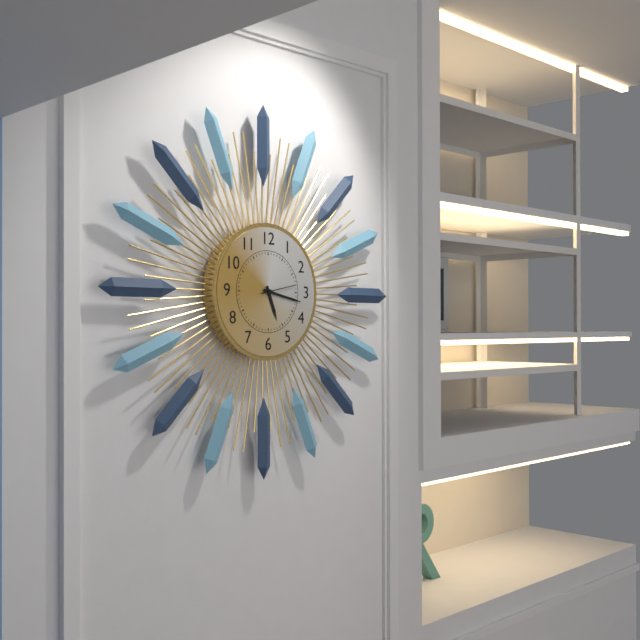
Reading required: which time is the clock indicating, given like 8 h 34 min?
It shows 5 h 17 min
